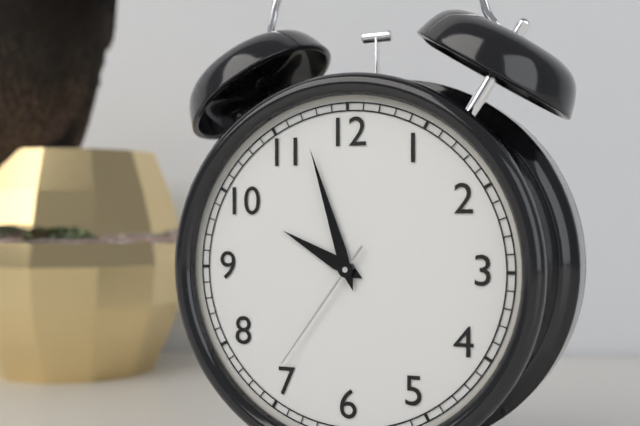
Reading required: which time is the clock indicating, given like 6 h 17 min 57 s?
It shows 9 h 57 min 36 s
